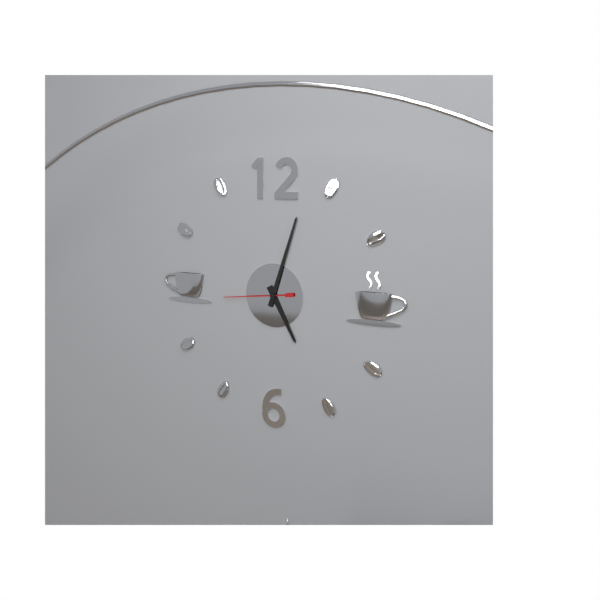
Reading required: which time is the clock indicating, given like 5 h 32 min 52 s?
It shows 5 h 03 min 44 s
